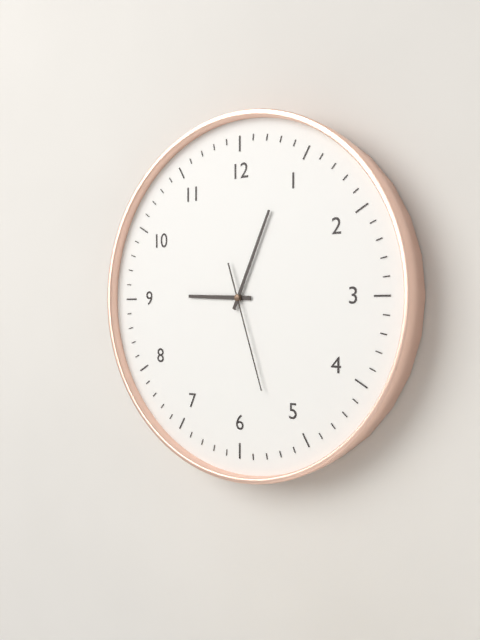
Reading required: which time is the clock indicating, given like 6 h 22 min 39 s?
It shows 9 h 04 min 27 s
